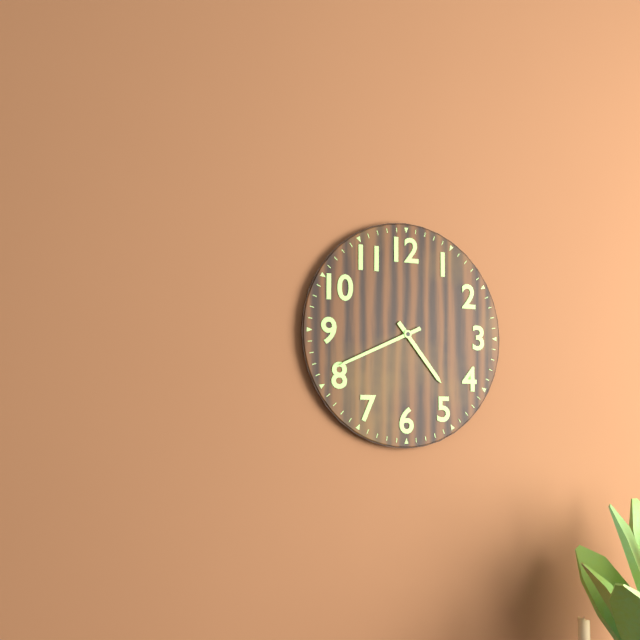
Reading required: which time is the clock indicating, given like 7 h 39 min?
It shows 4 h 41 min
